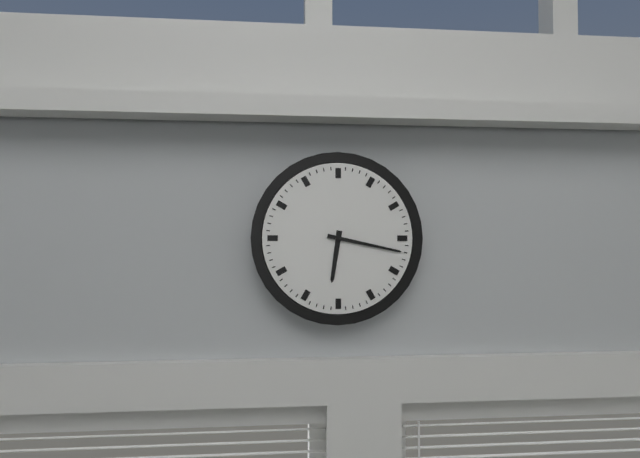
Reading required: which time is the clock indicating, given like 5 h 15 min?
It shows 6 h 17 min
